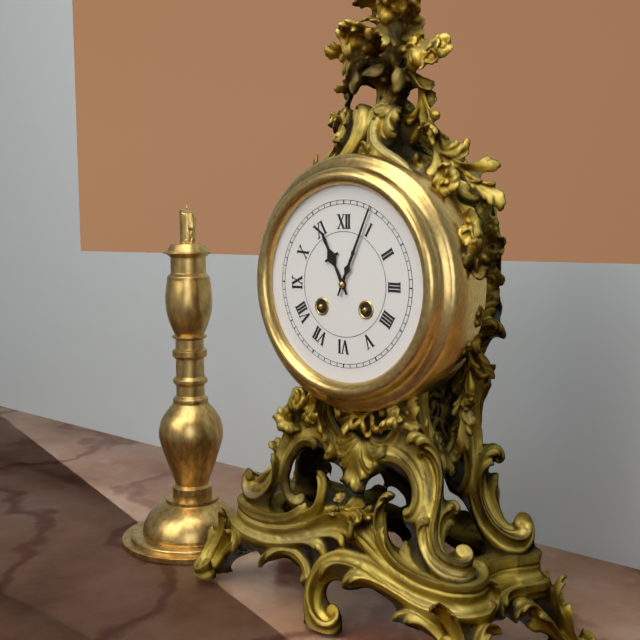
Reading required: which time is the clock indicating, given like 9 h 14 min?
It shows 11 h 04 min
